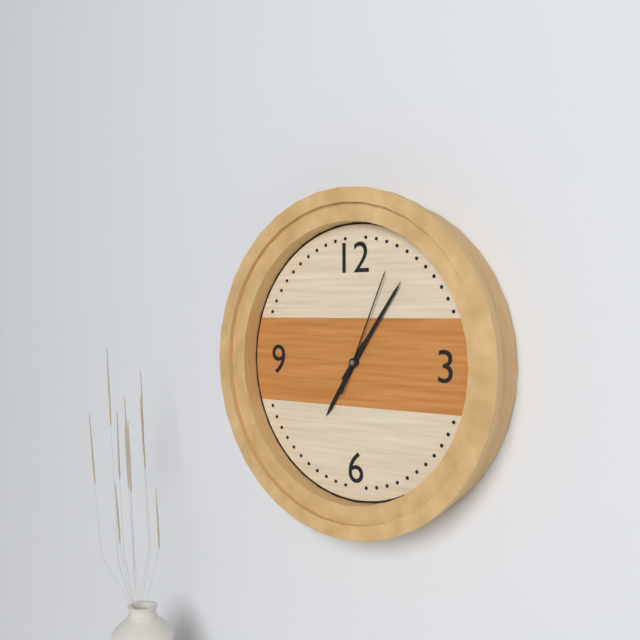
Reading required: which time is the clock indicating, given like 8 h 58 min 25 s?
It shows 7 h 06 min 04 s
